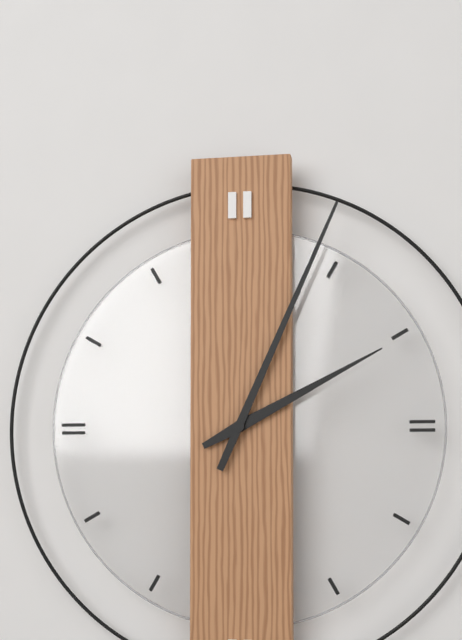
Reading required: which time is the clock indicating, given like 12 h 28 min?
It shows 2 h 04 min
